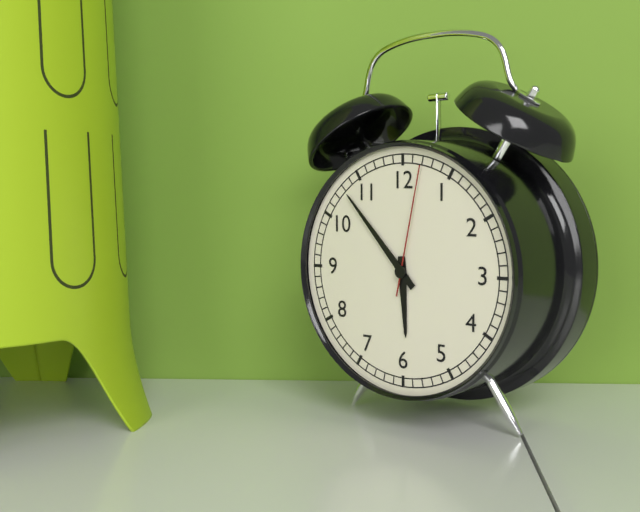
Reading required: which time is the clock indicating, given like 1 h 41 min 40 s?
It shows 5 h 53 min 02 s
